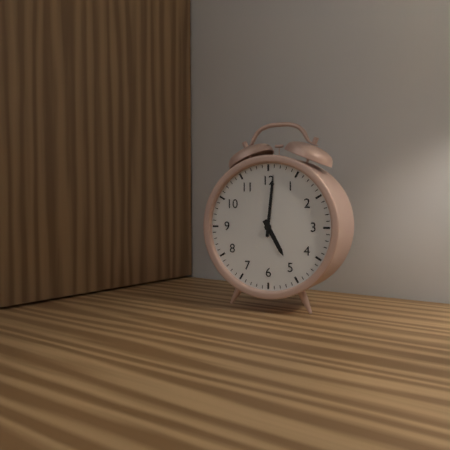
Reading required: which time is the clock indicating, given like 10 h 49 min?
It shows 5 h 01 min
